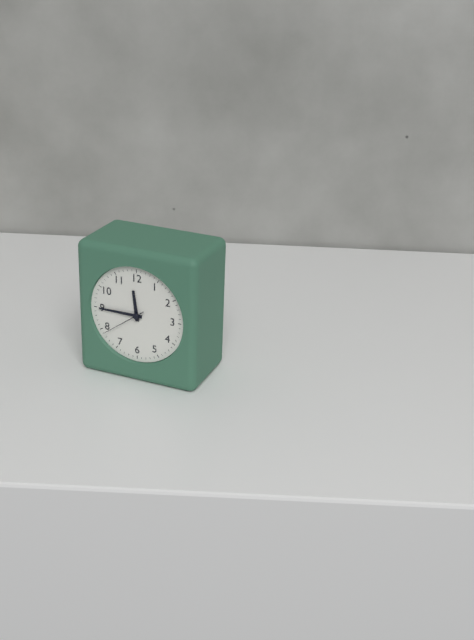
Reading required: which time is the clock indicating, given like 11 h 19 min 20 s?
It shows 11 h 45 min 39 s
